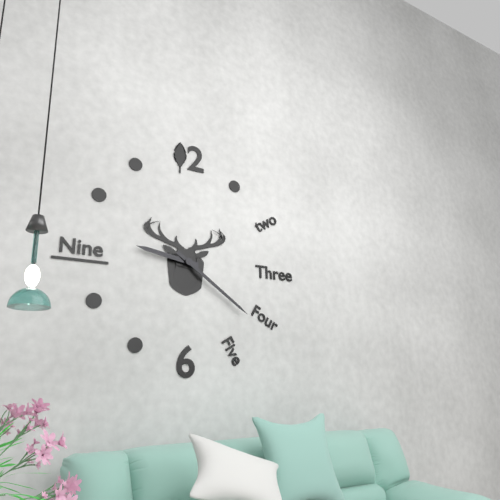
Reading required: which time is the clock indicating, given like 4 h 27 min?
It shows 9 h 21 min
